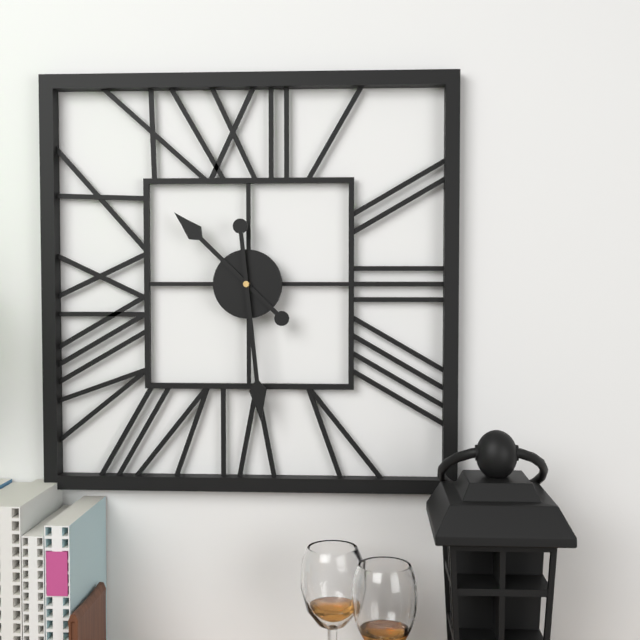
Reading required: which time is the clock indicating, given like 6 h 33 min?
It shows 10 h 29 min
